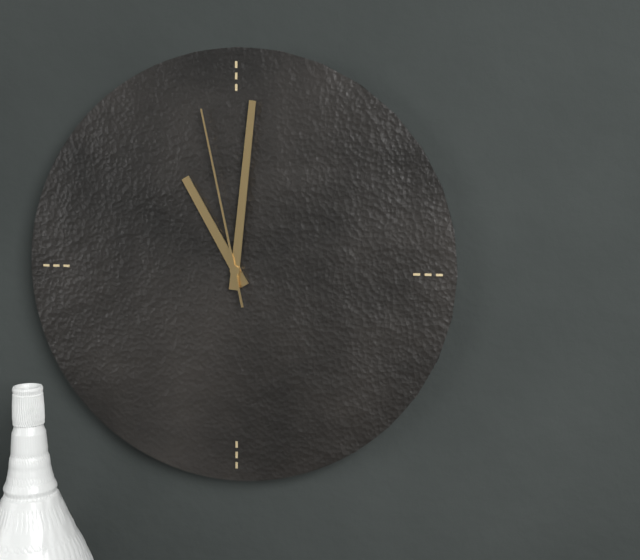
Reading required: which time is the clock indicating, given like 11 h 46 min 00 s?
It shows 11 h 01 min 58 s
